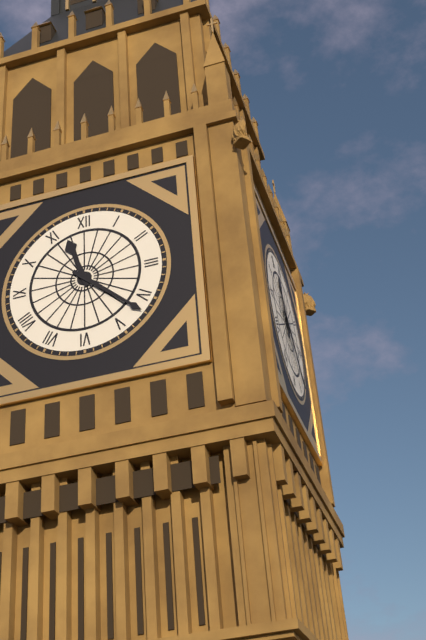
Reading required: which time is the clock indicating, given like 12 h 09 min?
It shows 11 h 22 min
